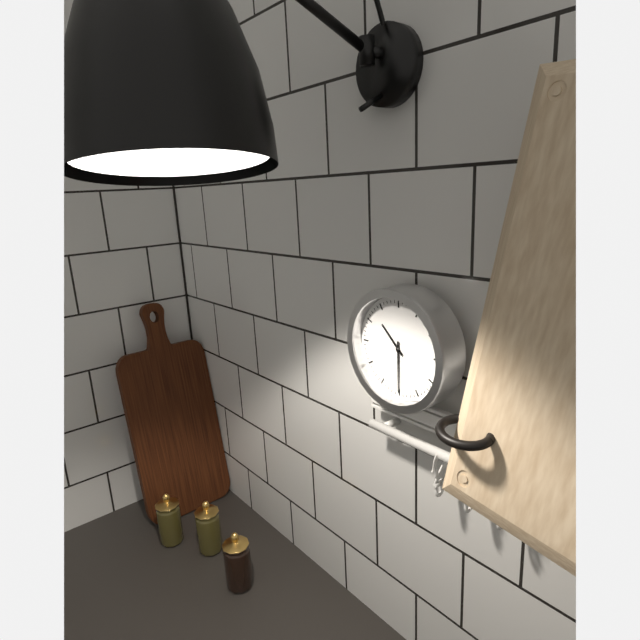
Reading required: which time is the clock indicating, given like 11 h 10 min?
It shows 10 h 30 min
